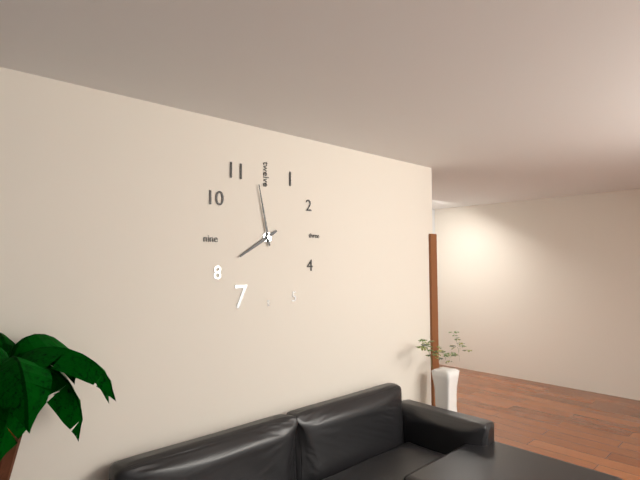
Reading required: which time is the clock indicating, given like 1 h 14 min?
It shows 7 h 58 min
